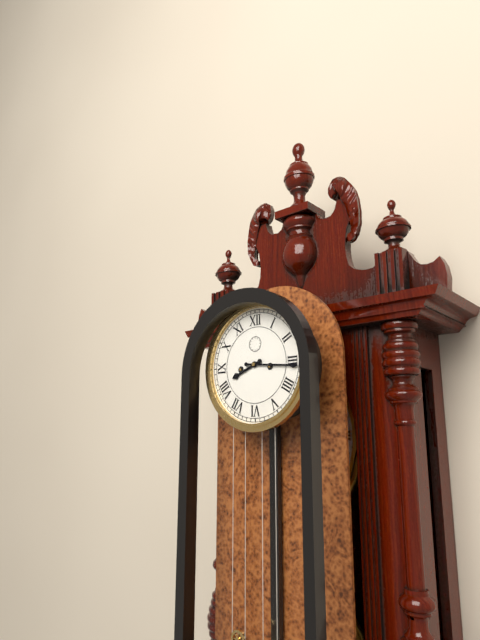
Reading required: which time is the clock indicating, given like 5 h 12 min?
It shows 8 h 16 min
